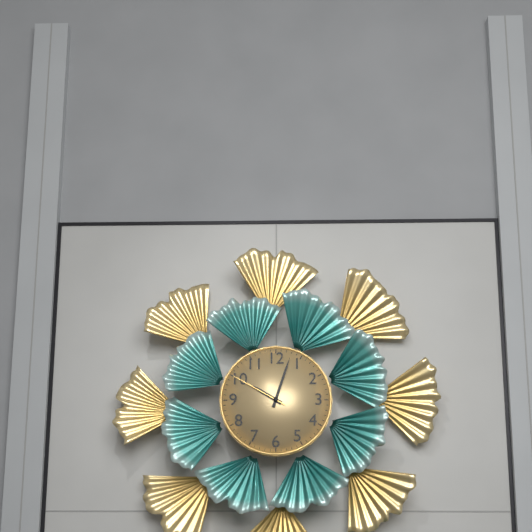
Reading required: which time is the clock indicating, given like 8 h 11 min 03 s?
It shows 10 h 03 min 50 s
